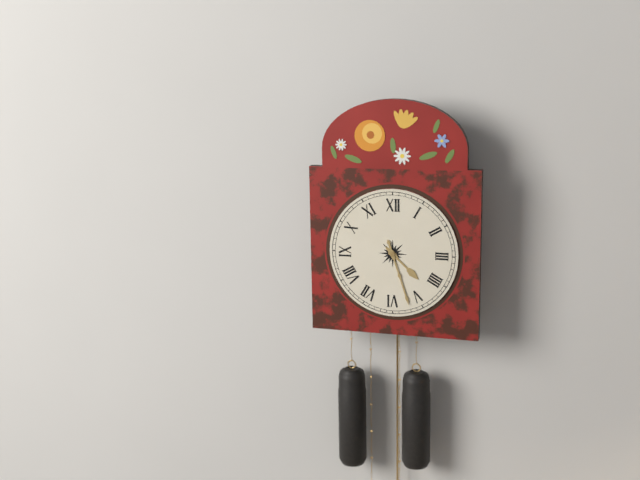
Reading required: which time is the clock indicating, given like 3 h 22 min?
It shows 4 h 27 min
